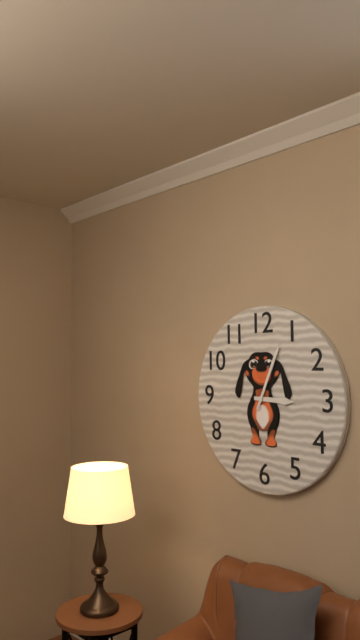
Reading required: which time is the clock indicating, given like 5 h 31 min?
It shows 3 h 04 min
